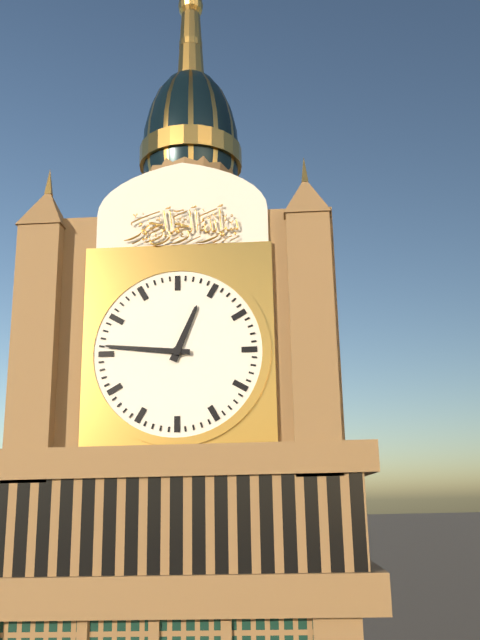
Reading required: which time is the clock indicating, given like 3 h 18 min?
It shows 12 h 46 min
